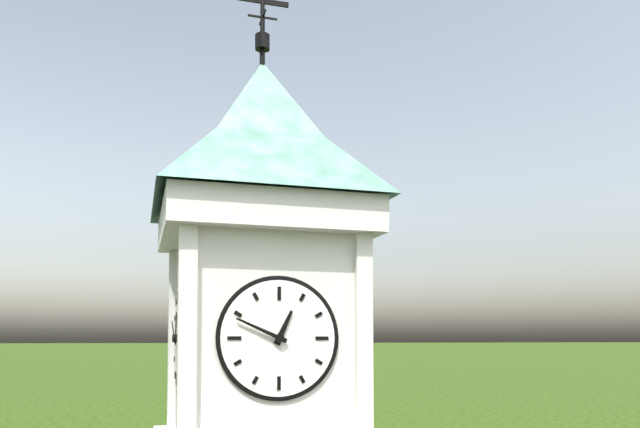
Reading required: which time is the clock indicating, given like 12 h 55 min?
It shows 12 h 49 min
